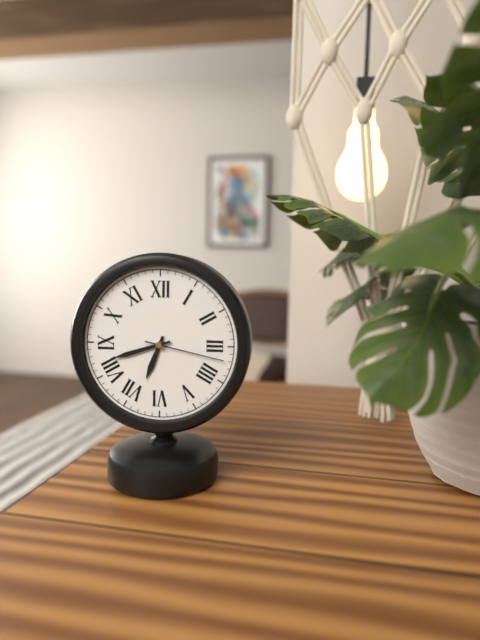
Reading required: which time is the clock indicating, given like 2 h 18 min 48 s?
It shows 6 h 42 min 17 s
